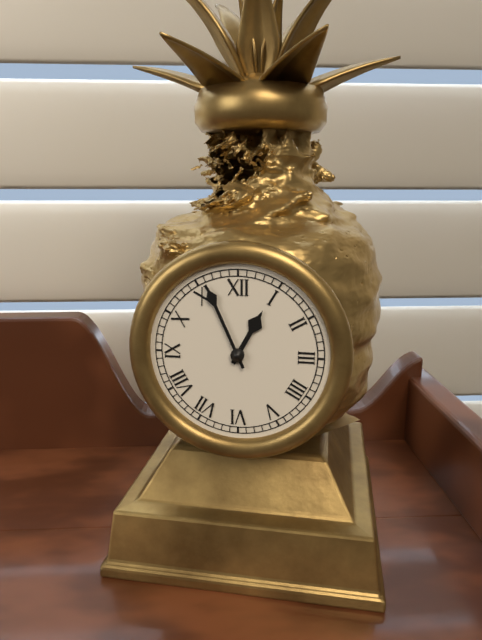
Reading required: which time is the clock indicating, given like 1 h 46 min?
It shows 12 h 56 min
